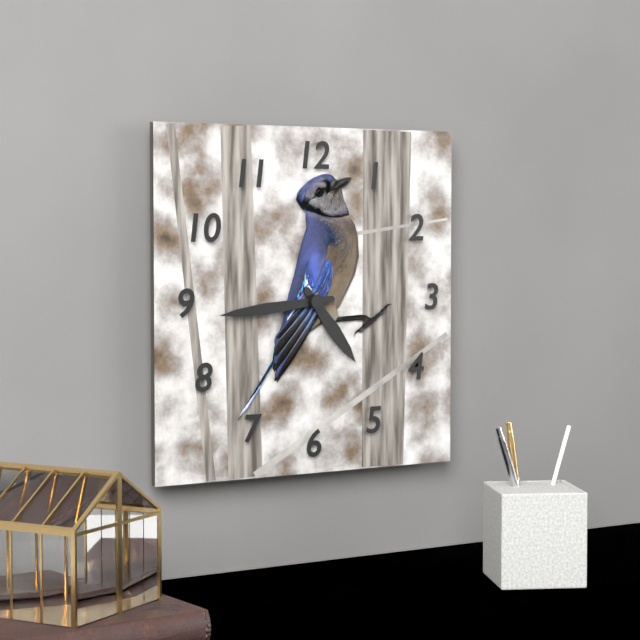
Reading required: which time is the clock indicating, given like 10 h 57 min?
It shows 4 h 44 min
